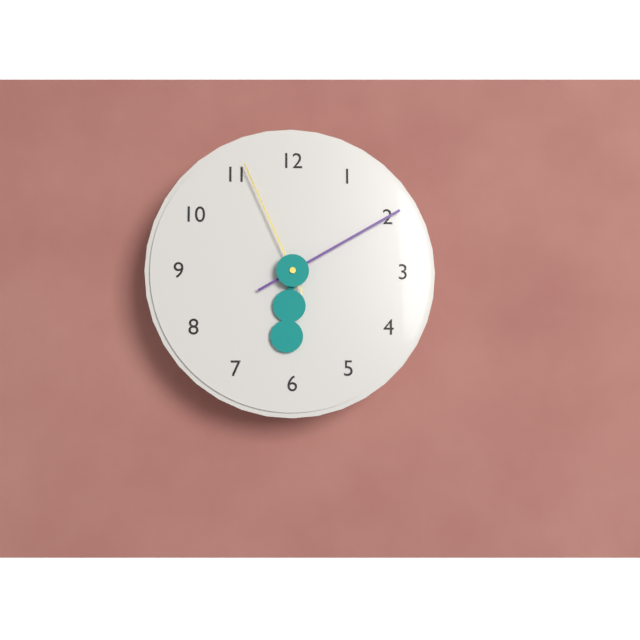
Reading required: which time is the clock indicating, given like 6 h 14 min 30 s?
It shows 6 h 10 min 56 s
